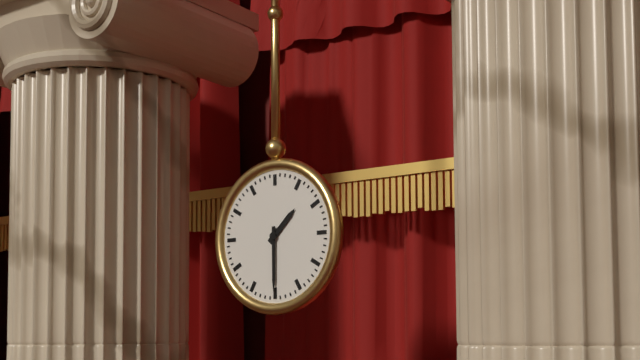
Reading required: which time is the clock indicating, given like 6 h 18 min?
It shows 1 h 30 min
